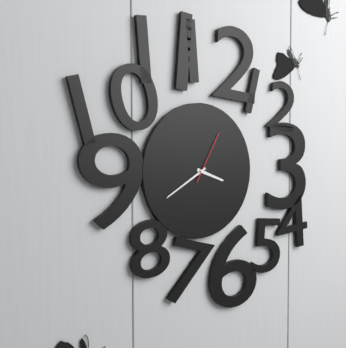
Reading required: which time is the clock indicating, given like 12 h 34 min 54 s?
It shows 3 h 40 min 05 s
